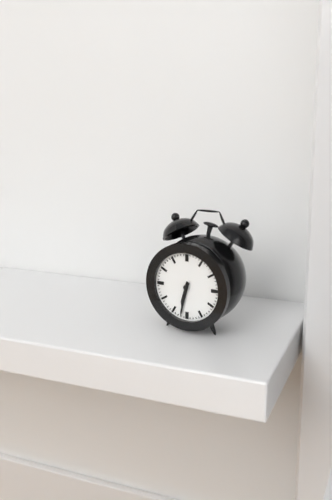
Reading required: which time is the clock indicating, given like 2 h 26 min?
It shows 6 h 32 min
